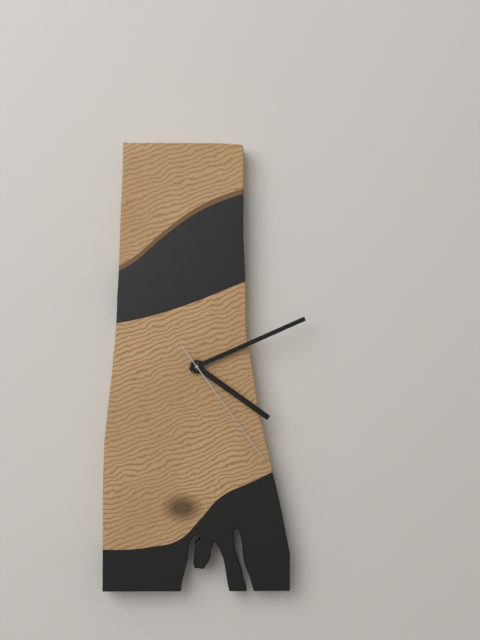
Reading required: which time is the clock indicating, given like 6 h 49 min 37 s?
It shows 4 h 11 min 24 s
